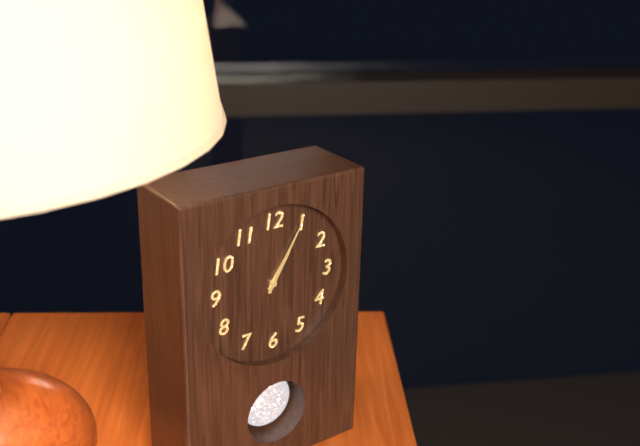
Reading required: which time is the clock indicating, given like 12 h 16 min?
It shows 1 h 05 min
